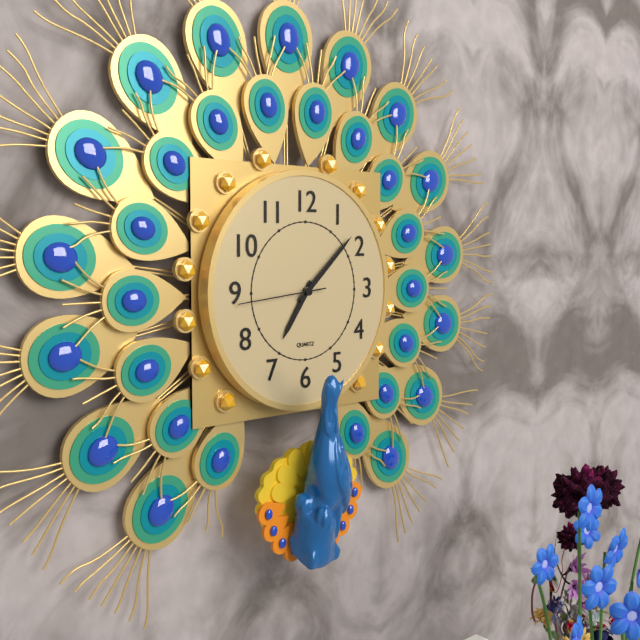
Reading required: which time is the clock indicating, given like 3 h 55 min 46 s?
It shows 7 h 08 min 44 s
